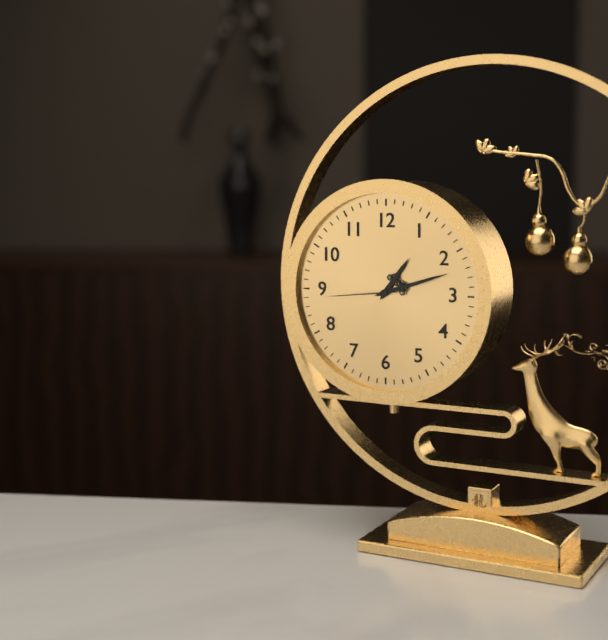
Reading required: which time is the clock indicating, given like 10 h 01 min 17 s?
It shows 1 h 12 min 44 s
